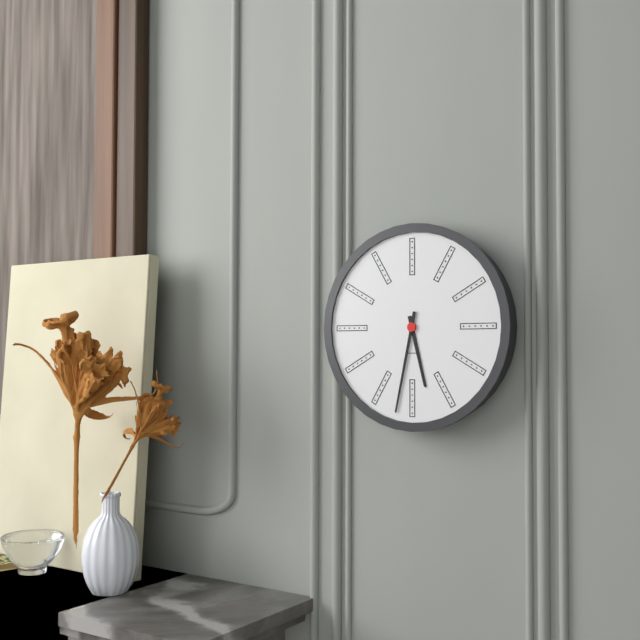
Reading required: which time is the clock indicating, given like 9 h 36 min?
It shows 5 h 32 min
